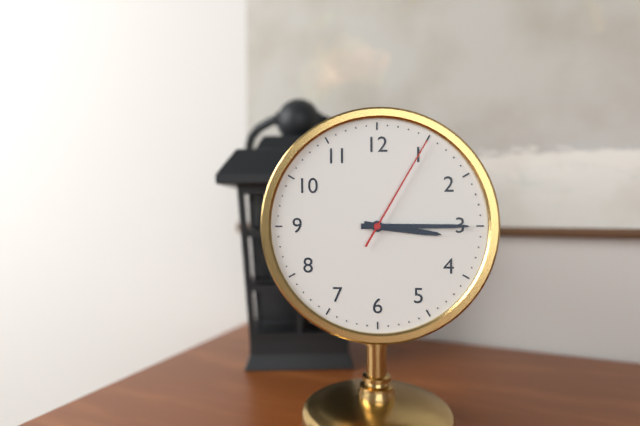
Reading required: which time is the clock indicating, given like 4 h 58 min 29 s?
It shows 3 h 15 min 05 s
